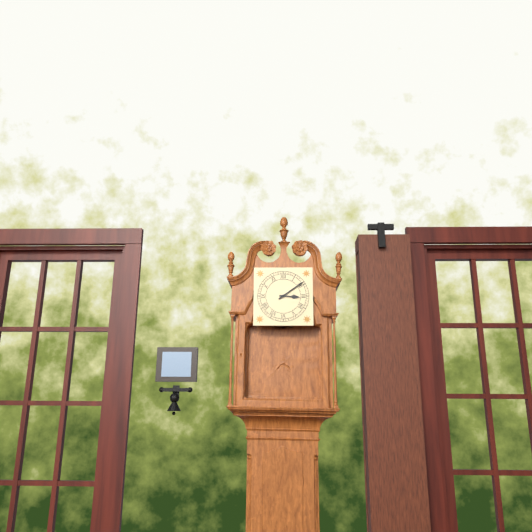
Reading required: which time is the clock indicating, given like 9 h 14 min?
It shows 3 h 09 min
